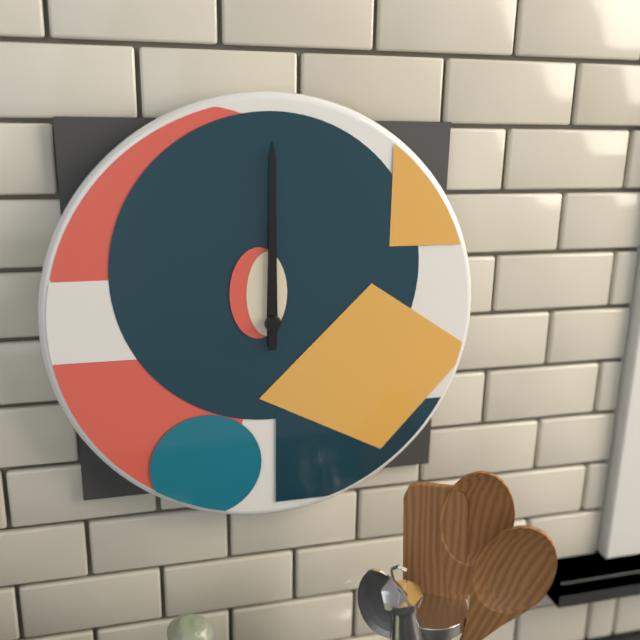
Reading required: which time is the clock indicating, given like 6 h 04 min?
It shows 12 h 00 min
